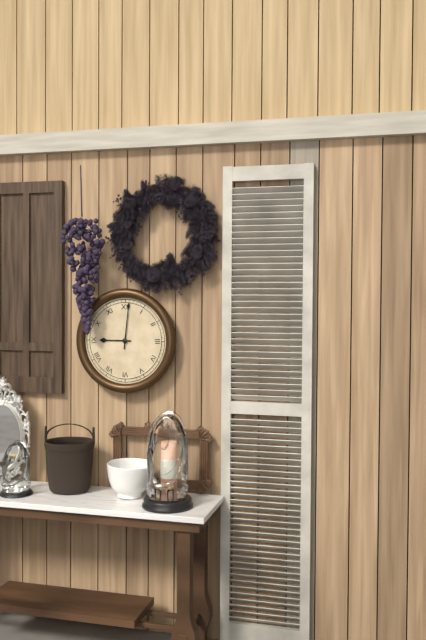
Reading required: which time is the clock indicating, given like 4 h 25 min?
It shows 9 h 01 min
